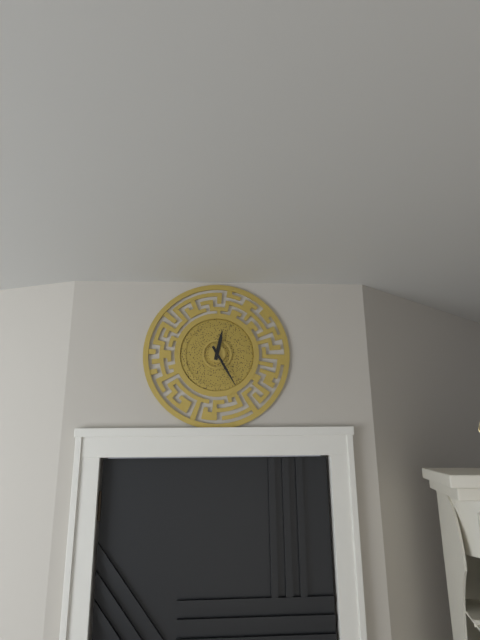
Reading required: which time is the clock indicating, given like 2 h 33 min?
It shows 12 h 25 min
